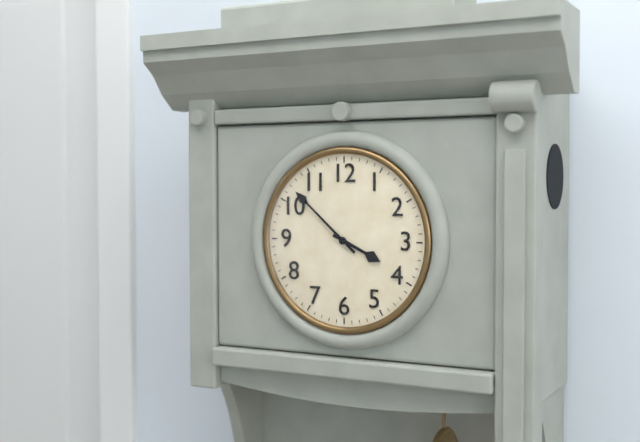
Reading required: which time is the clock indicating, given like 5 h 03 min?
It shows 3 h 52 min
